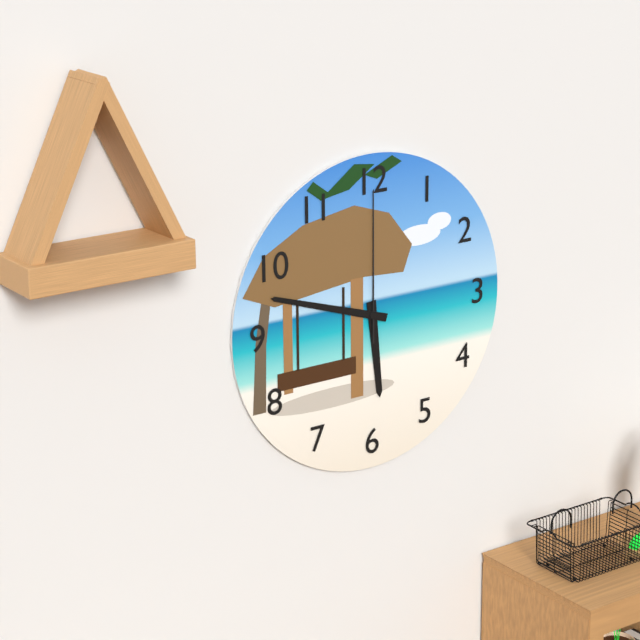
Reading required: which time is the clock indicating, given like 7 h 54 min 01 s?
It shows 5 h 48 min 00 s
